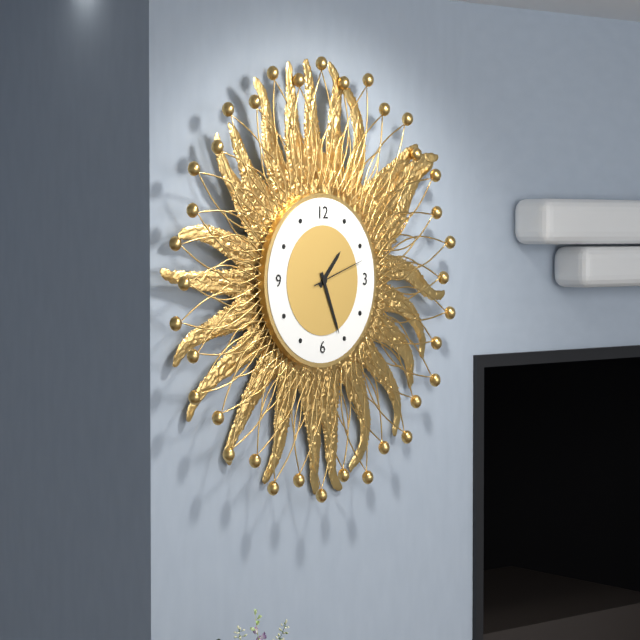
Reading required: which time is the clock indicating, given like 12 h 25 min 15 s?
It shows 1 h 26 min 12 s
